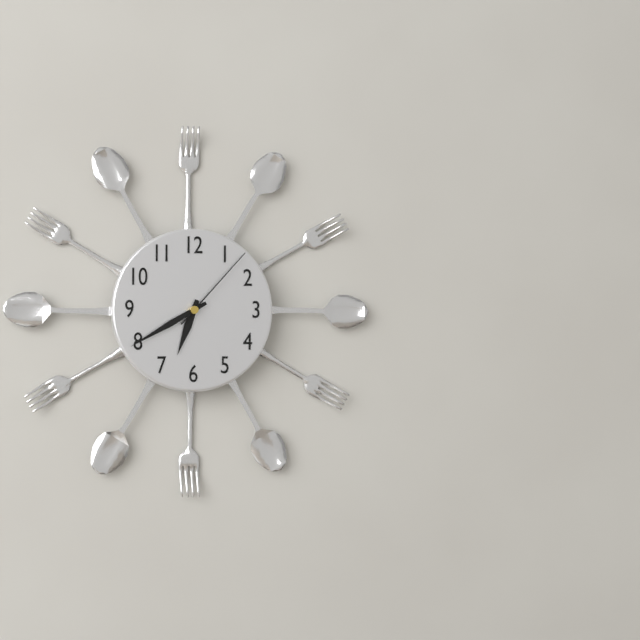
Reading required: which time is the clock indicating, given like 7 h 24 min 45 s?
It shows 6 h 40 min 07 s
